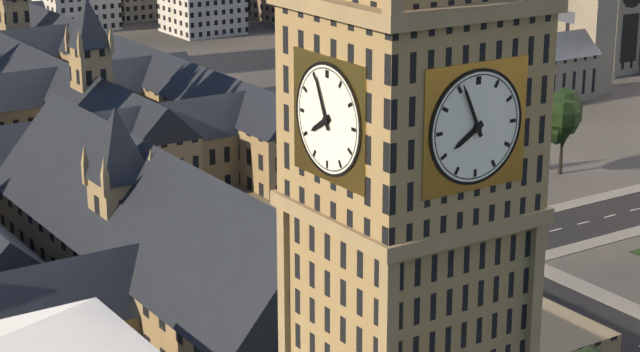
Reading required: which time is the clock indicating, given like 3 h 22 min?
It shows 7 h 56 min
